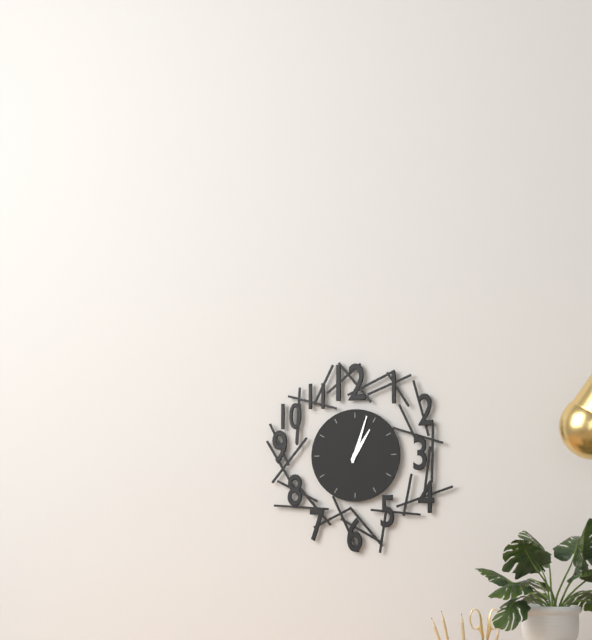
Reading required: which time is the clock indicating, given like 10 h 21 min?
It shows 1 h 03 min
